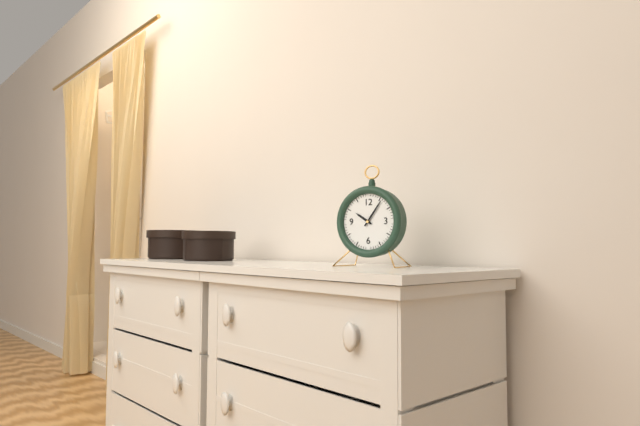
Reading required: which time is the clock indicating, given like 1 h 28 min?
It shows 10 h 06 min
